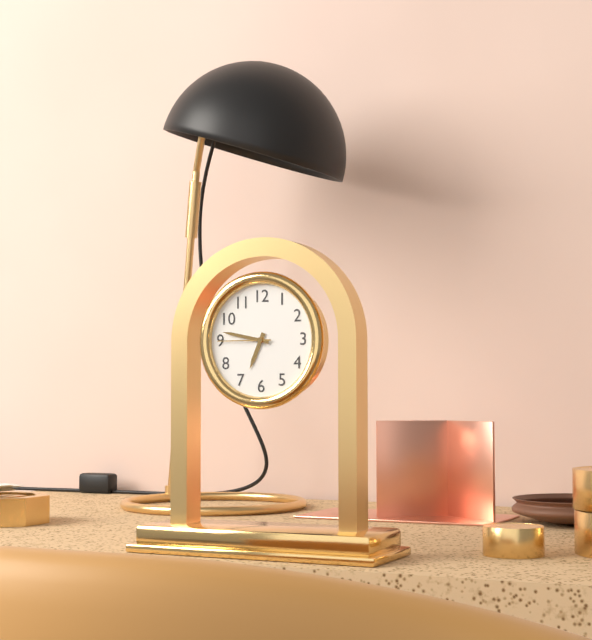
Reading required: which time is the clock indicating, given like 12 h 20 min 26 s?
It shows 6 h 47 min 45 s
